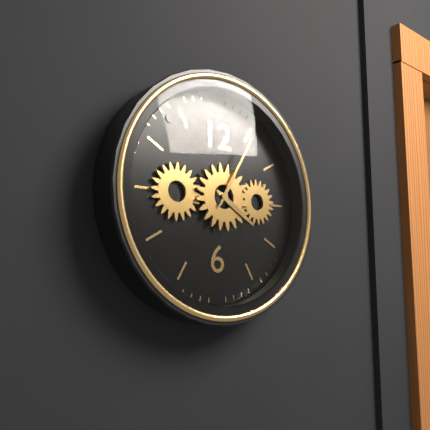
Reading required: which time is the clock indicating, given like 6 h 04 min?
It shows 4 h 05 min
